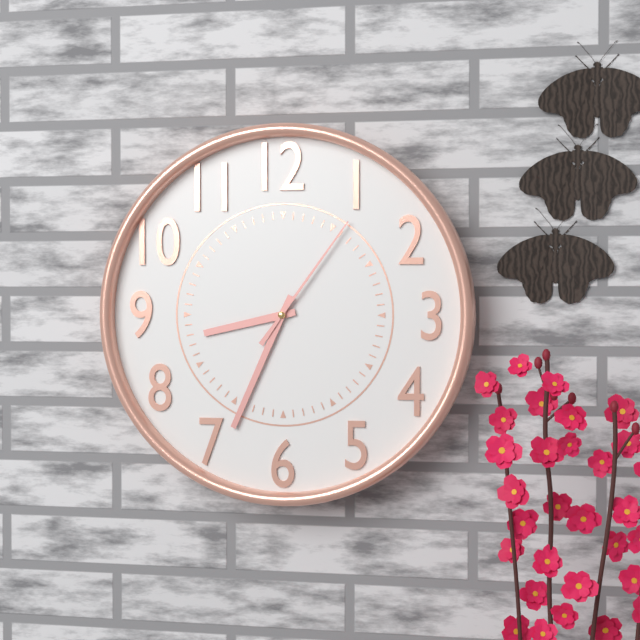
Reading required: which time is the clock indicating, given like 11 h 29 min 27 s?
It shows 8 h 34 min 06 s
